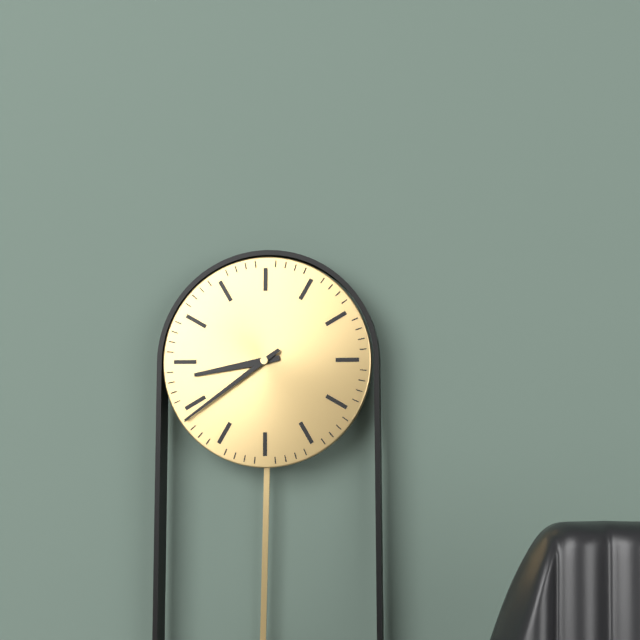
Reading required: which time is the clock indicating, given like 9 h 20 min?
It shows 8 h 39 min
